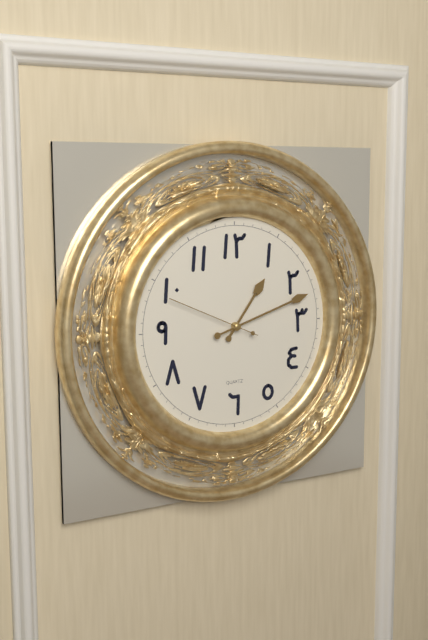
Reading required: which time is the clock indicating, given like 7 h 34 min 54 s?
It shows 1 h 12 min 49 s
